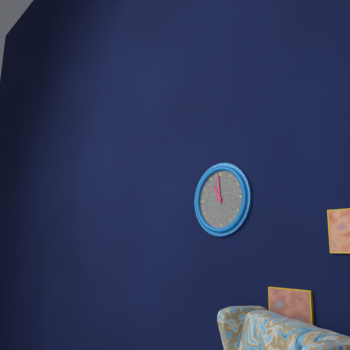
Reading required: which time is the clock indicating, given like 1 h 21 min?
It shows 10 h 59 min
